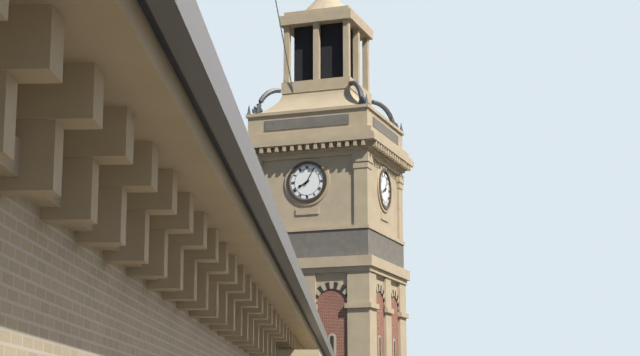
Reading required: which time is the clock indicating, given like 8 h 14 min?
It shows 8 h 05 min
